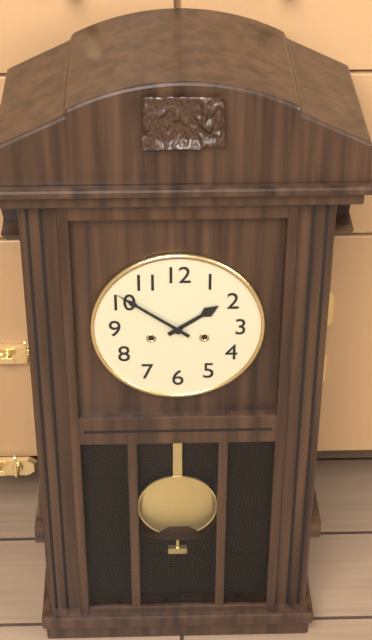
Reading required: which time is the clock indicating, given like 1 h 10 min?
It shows 1 h 51 min
